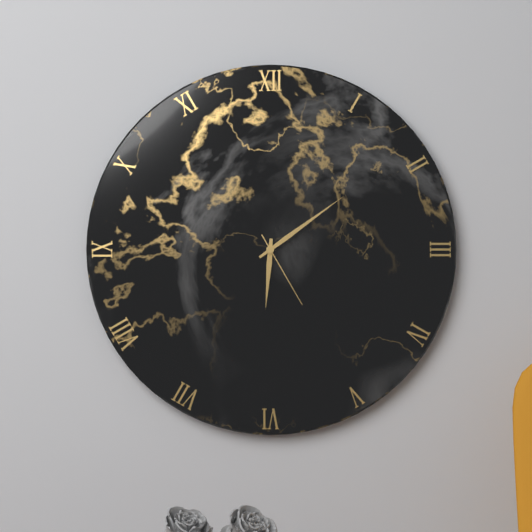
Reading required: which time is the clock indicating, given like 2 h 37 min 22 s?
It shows 6 h 09 min 25 s
